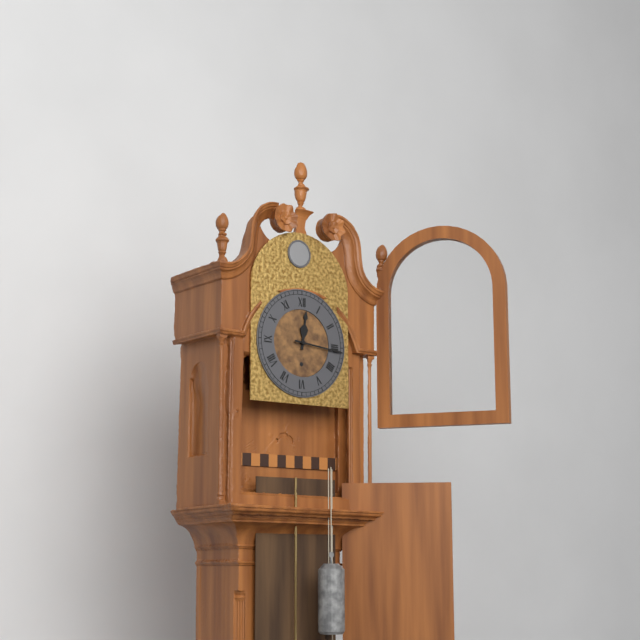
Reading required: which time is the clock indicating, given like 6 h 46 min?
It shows 12 h 16 min
